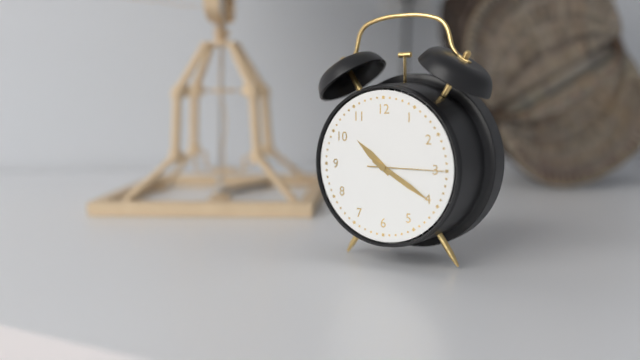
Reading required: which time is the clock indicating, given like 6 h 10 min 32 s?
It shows 10 h 20 min 15 s
